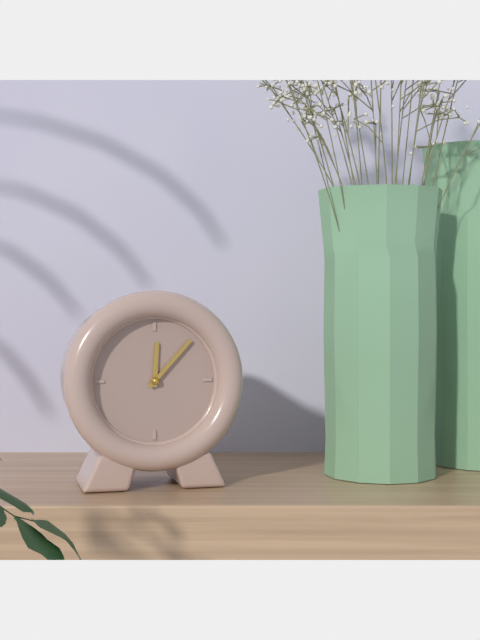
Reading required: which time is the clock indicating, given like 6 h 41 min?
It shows 12 h 07 min
